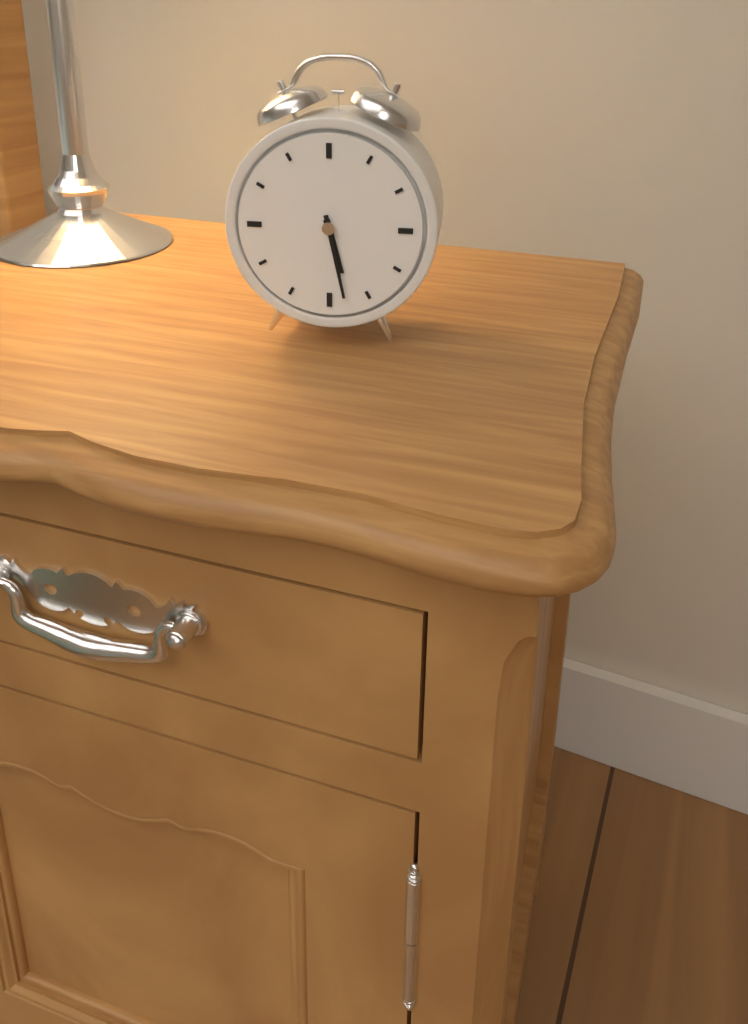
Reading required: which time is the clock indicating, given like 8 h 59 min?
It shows 5 h 28 min
